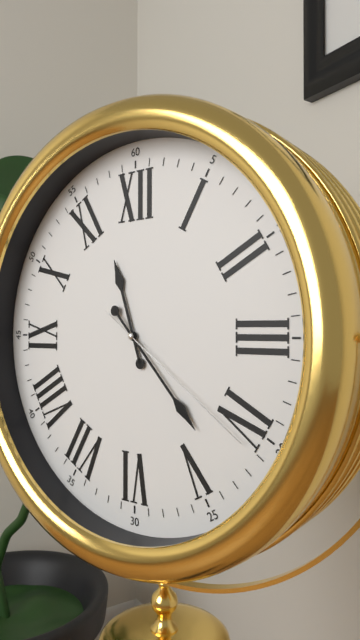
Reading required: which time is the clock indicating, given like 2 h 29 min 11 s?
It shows 11 h 23 min 21 s
